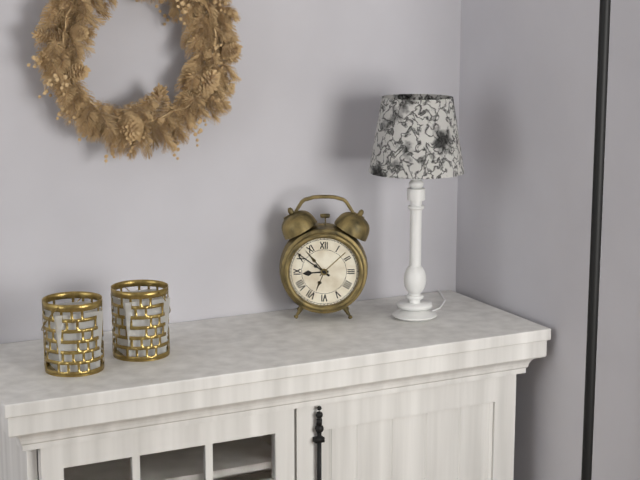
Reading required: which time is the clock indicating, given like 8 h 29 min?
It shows 8 h 51 min
